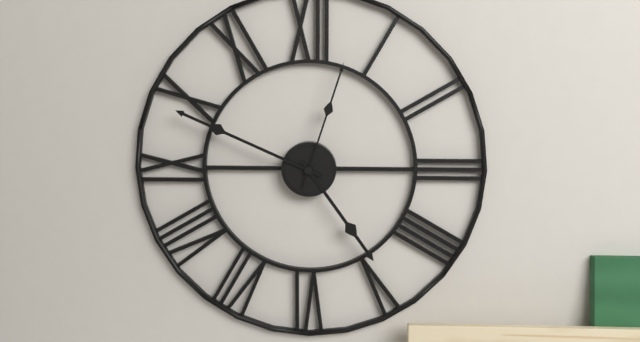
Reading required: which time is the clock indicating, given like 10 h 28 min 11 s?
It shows 4 h 49 min 03 s
